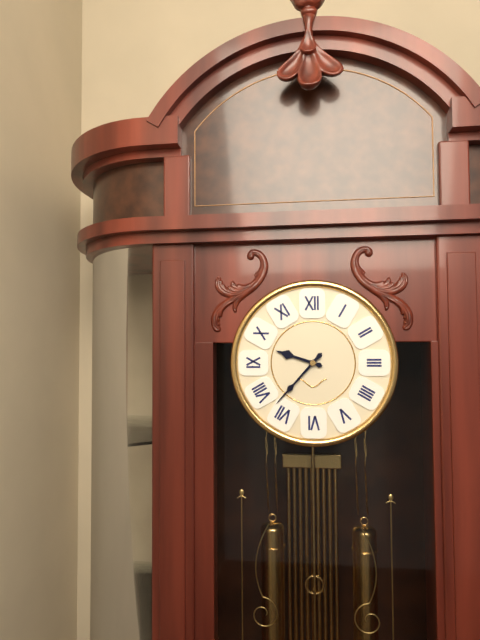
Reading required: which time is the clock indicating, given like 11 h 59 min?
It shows 9 h 37 min
